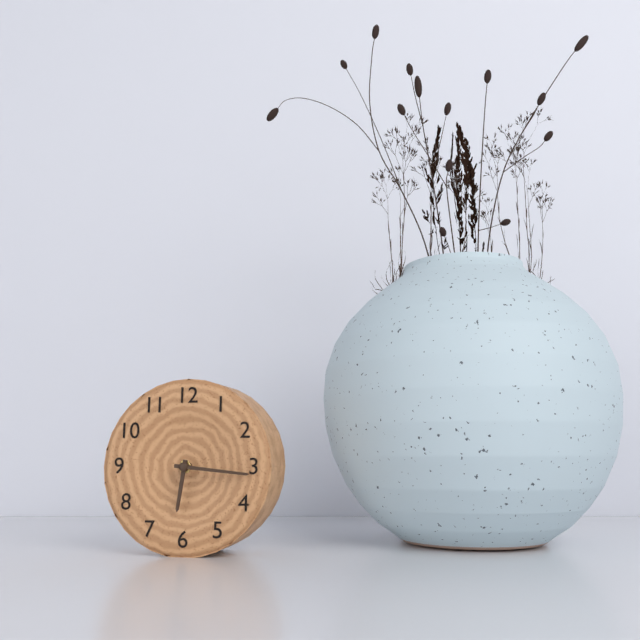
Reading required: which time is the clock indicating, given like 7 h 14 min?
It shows 6 h 16 min
